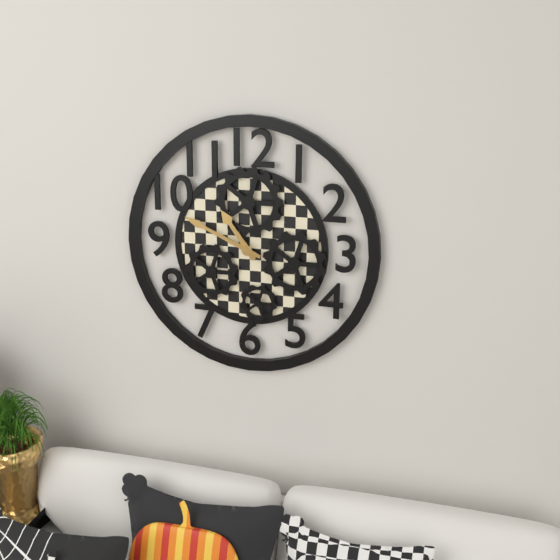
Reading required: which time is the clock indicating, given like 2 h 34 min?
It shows 10 h 49 min
